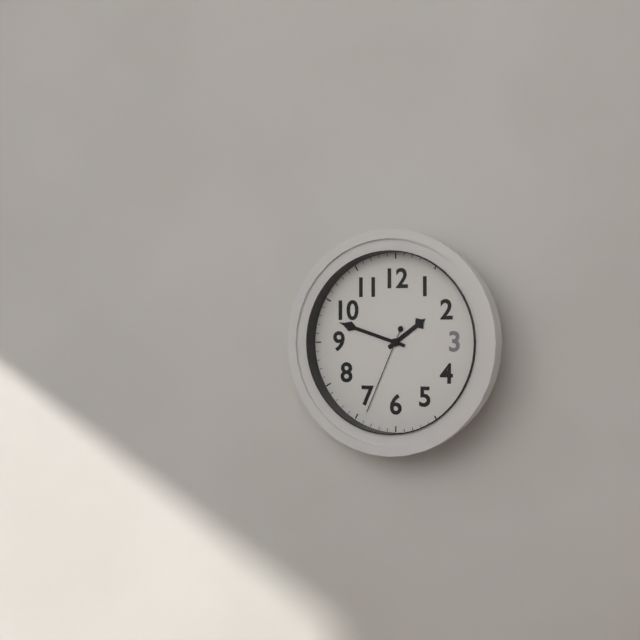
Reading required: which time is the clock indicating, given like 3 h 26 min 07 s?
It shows 1 h 48 min 34 s
